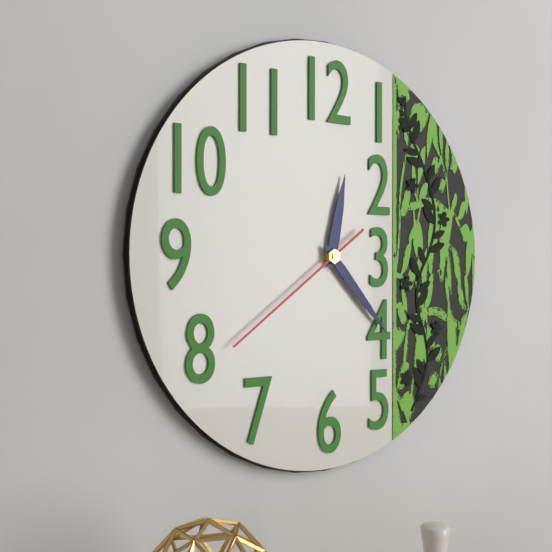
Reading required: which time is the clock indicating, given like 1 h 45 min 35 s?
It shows 12 h 23 min 39 s
